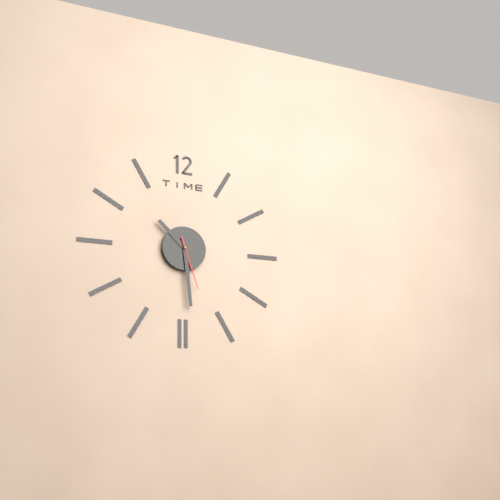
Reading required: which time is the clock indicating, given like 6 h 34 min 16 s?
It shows 10 h 29 min 27 s
